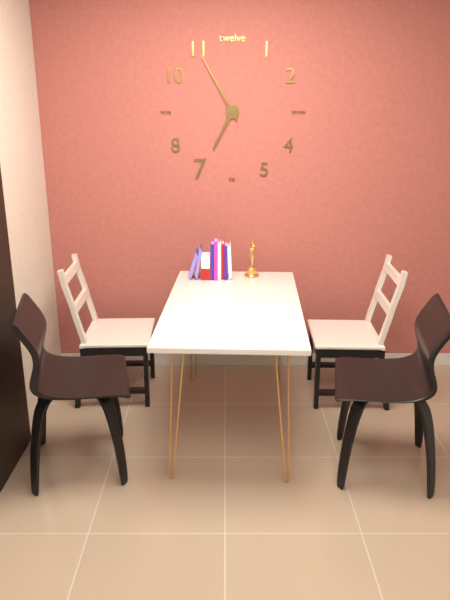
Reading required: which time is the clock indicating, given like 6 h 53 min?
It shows 6 h 55 min
